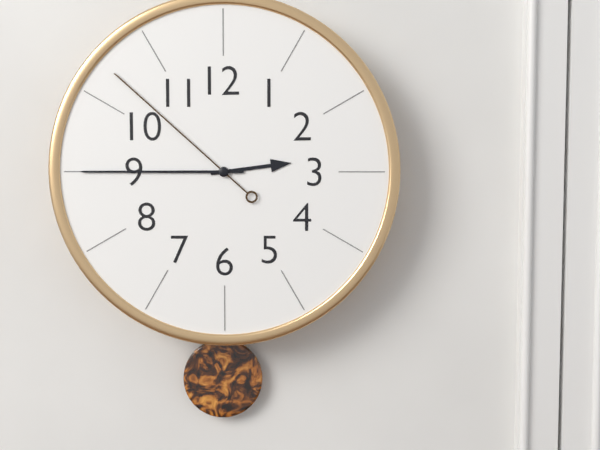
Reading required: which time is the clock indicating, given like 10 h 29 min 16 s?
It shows 2 h 45 min 52 s
